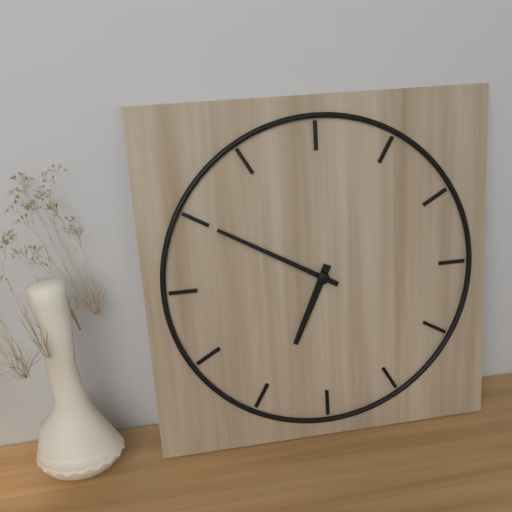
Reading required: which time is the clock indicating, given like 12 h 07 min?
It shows 6 h 50 min
